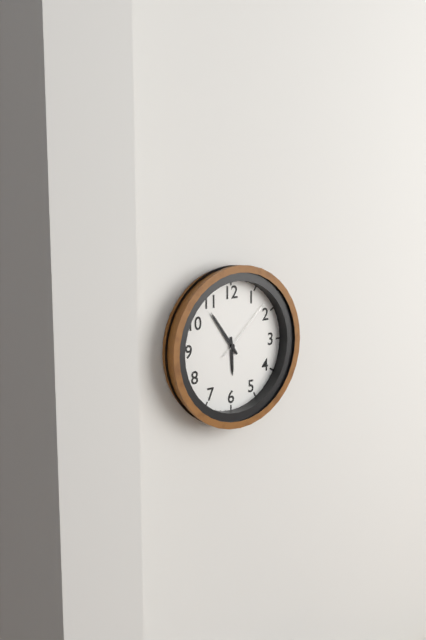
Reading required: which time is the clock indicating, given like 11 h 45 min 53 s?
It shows 5 h 54 min 08 s
